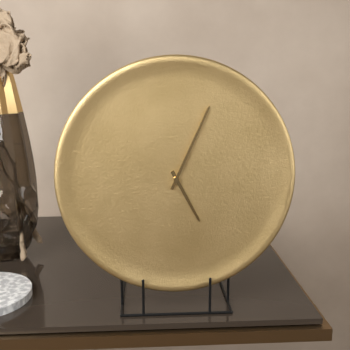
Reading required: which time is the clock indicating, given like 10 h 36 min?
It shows 5 h 04 min
